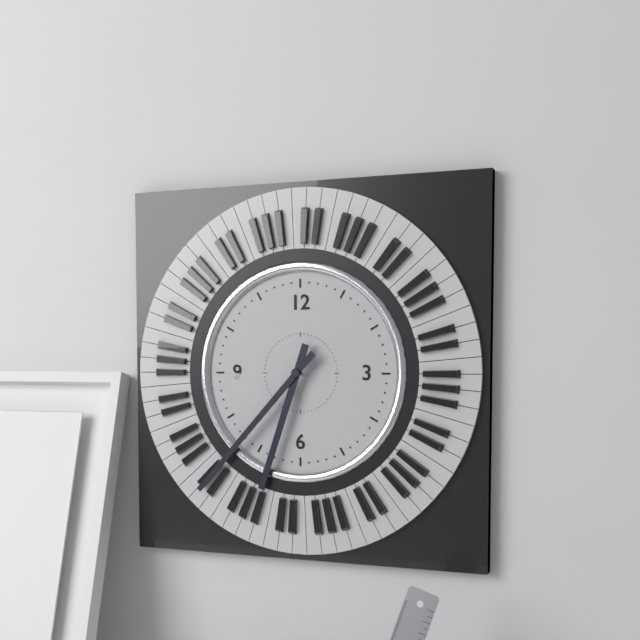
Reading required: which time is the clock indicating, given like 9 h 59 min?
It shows 6 h 37 min
